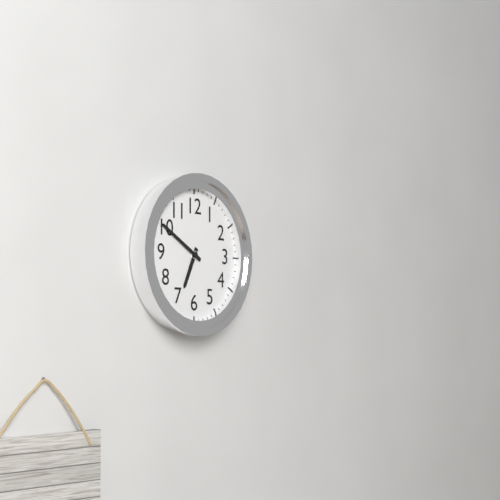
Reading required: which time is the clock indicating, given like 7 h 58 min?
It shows 6 h 50 min
